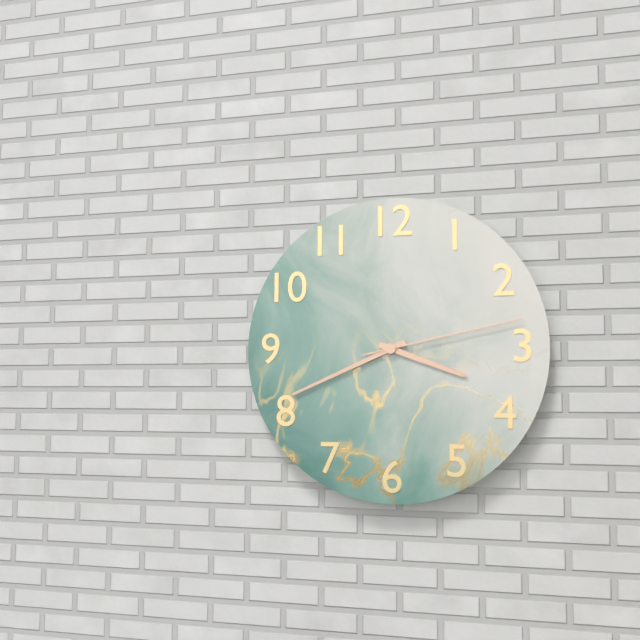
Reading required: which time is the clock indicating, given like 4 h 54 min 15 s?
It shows 3 h 41 min 13 s
